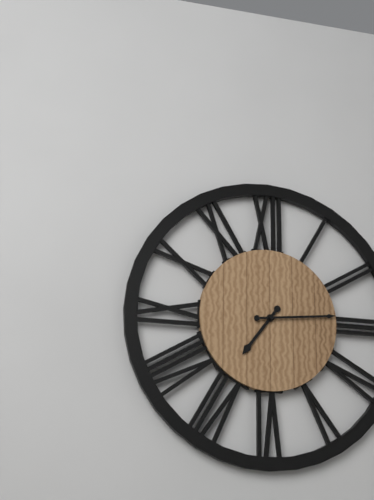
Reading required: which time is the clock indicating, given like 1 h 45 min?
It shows 7 h 14 min
